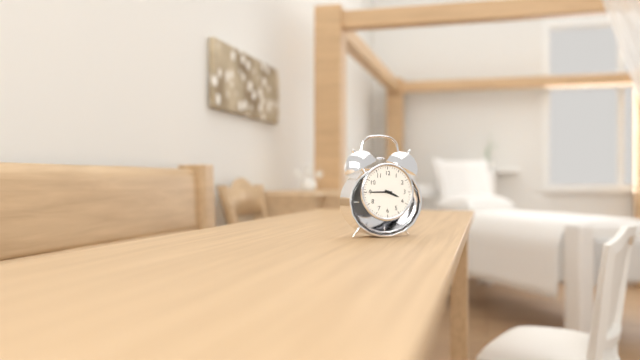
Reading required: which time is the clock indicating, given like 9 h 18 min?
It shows 3 h 45 min
